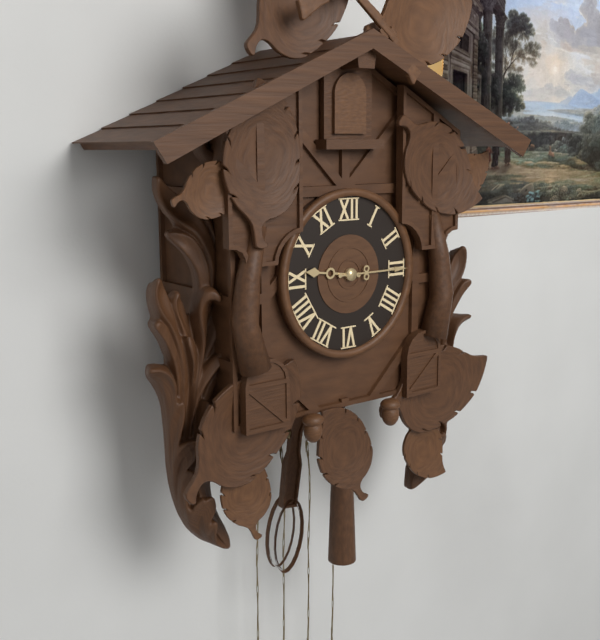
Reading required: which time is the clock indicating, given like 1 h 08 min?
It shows 9 h 15 min
